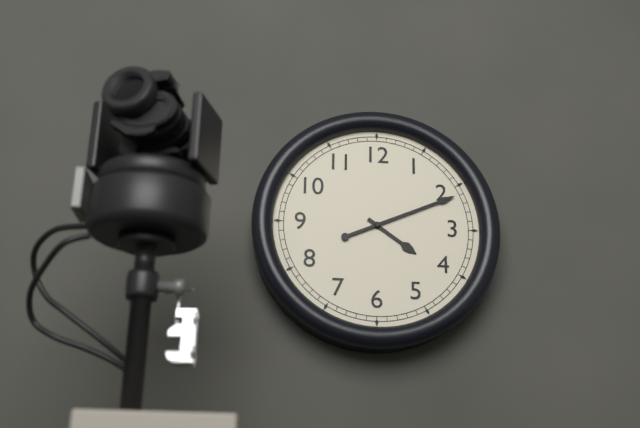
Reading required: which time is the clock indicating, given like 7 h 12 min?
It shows 4 h 11 min
